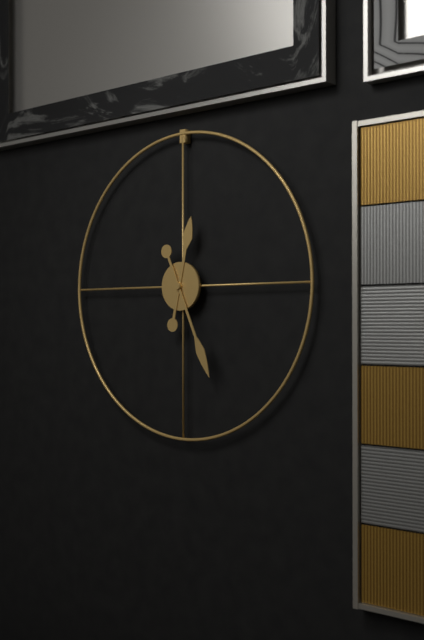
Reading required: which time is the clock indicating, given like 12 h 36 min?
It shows 12 h 26 min
